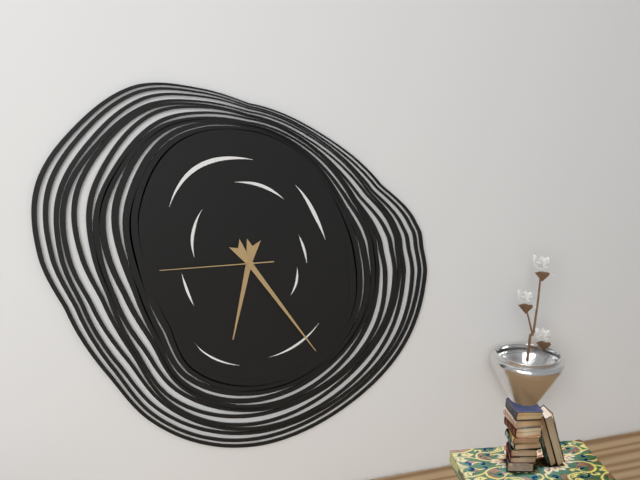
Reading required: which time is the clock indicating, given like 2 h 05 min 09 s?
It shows 6 h 24 min 45 s
